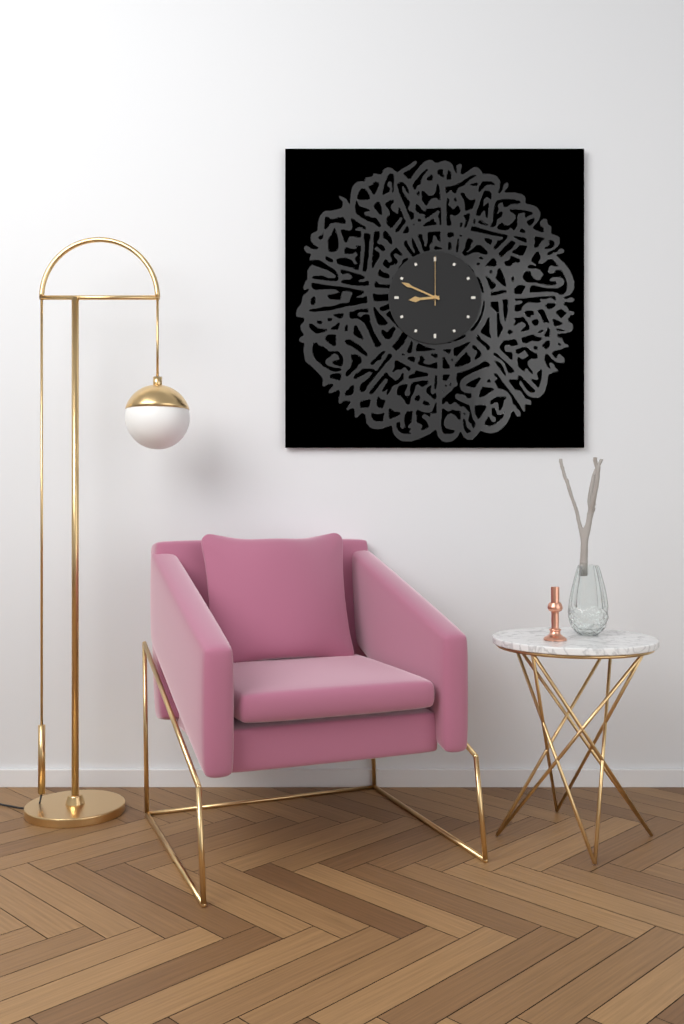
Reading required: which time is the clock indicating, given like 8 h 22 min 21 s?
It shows 8 h 49 min 00 s
